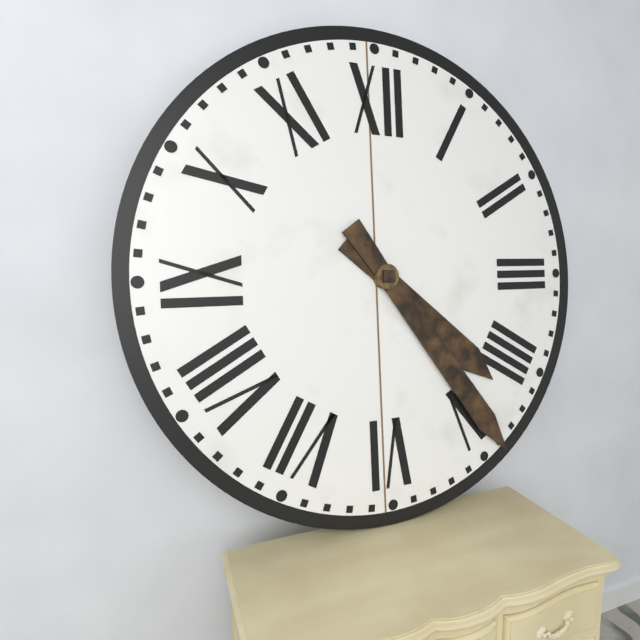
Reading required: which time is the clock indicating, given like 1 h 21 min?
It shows 4 h 24 min
